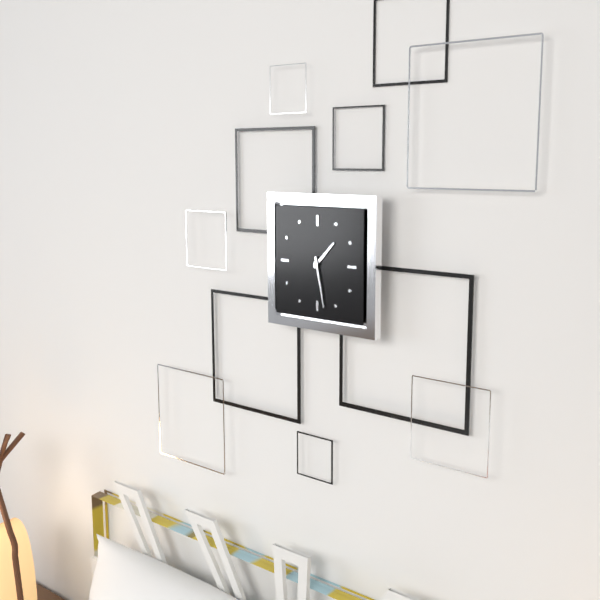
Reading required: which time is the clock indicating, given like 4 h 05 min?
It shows 1 h 28 min
